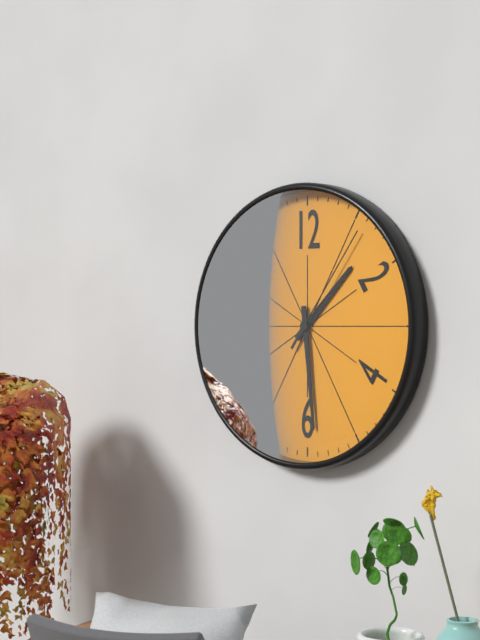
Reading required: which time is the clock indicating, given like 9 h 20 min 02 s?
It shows 1 h 29 min 06 s
